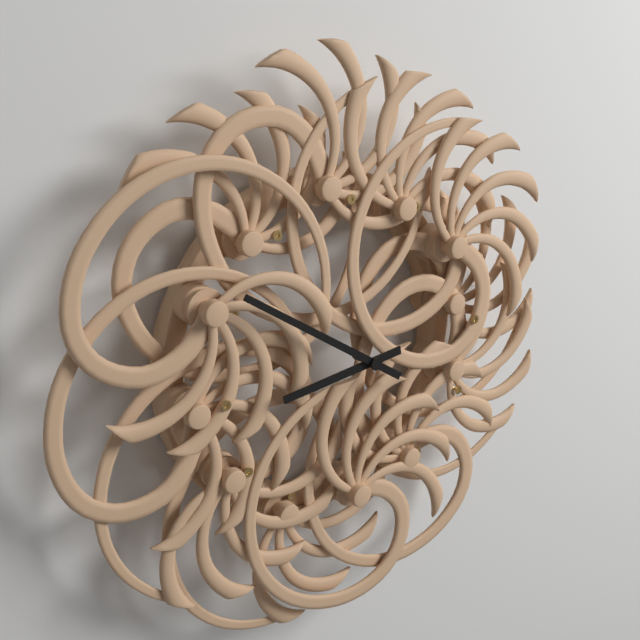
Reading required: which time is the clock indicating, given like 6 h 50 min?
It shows 8 h 51 min
